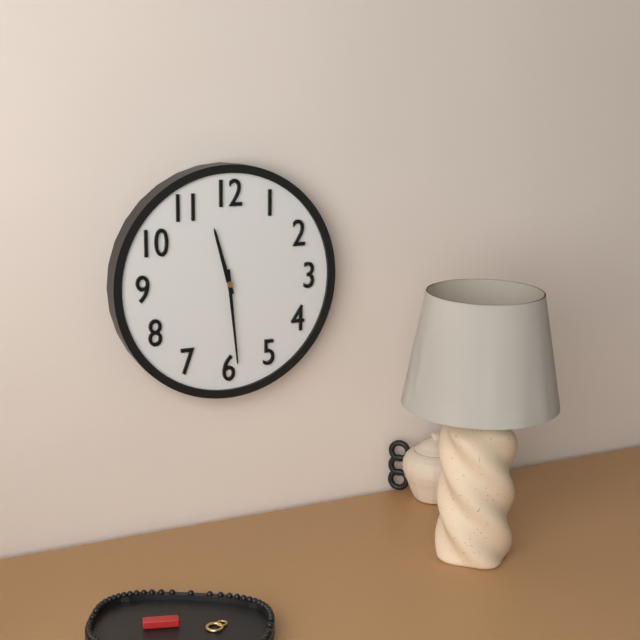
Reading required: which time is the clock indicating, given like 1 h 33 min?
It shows 11 h 29 min
